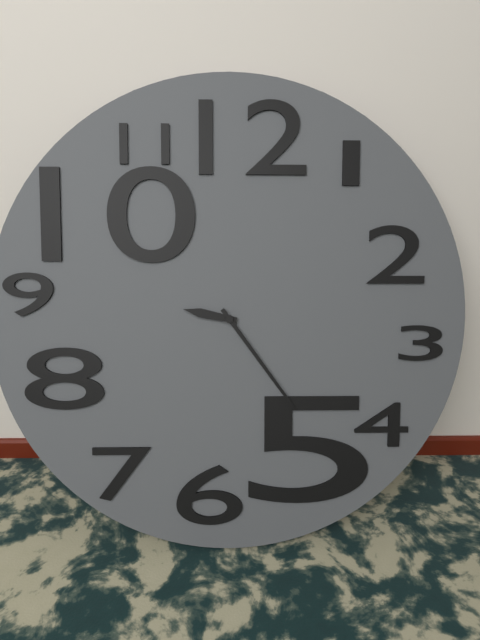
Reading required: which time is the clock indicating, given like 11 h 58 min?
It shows 9 h 24 min
